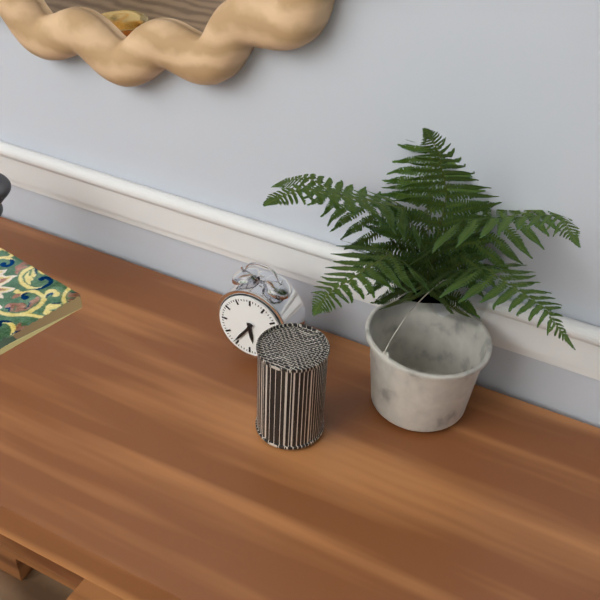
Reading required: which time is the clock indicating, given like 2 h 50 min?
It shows 5 h 36 min
